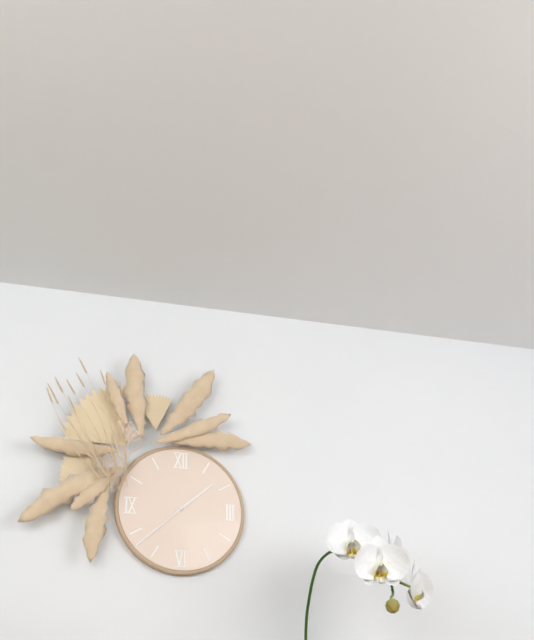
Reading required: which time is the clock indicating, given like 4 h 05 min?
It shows 1 h 38 min
